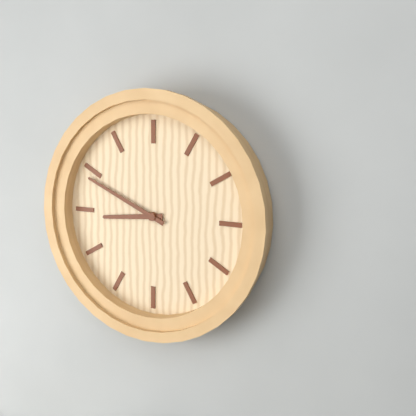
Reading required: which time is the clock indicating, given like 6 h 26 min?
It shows 8 h 49 min
